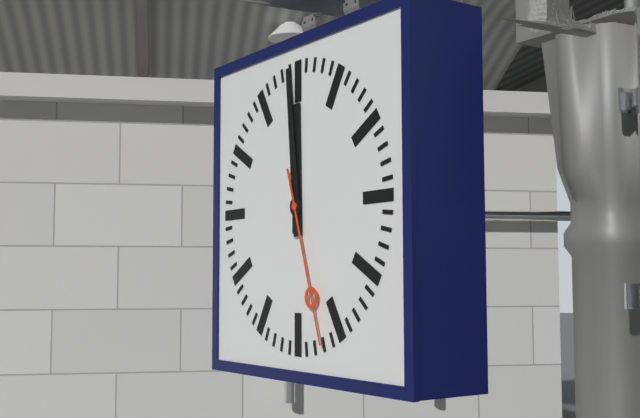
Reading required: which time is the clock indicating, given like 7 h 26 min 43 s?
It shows 11 h 59 min 27 s
